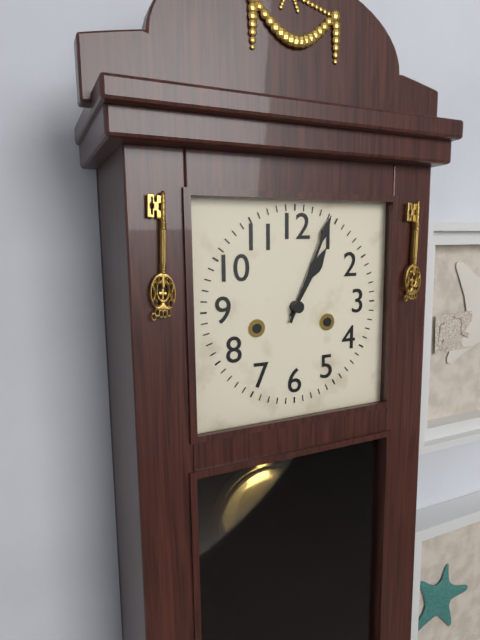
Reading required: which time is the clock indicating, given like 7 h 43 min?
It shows 1 h 04 min
